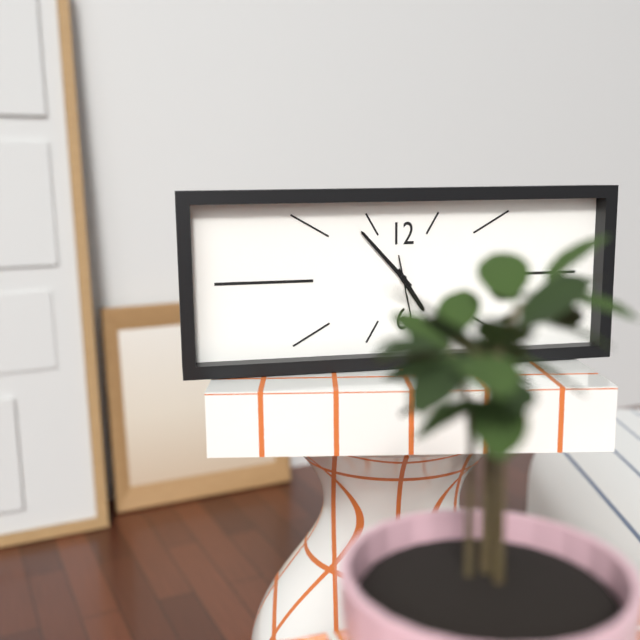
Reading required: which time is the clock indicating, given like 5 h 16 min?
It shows 4 h 53 min
